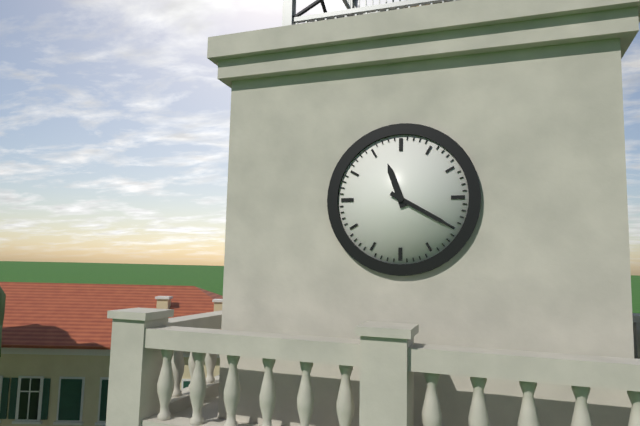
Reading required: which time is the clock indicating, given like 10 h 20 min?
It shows 11 h 20 min
